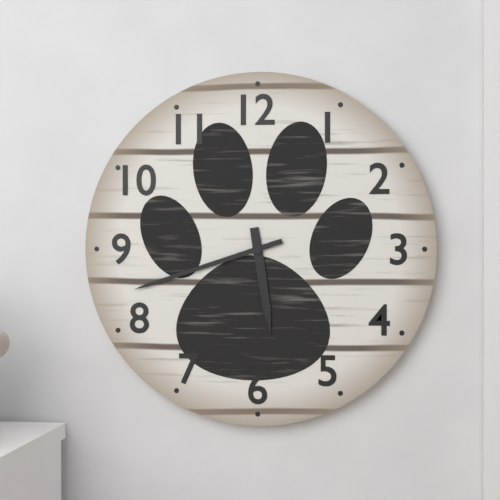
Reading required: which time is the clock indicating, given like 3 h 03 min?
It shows 5 h 42 min
